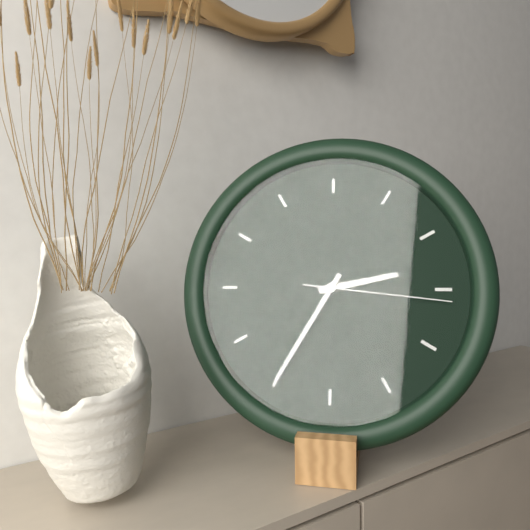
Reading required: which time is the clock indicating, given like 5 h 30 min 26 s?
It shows 2 h 35 min 16 s
